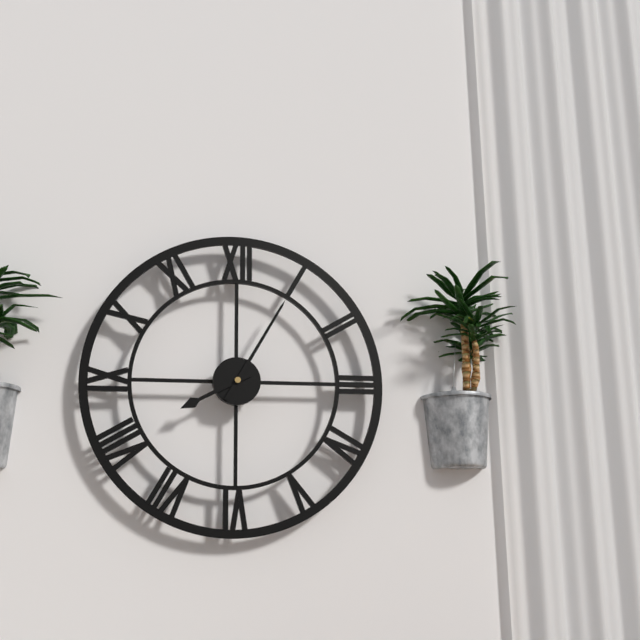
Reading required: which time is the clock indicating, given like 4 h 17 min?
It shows 8 h 05 min
